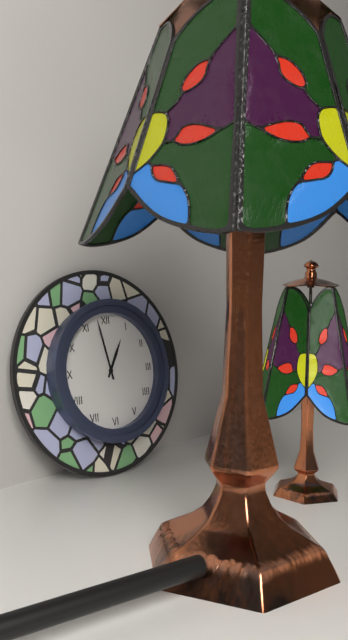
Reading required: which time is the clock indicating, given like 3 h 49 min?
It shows 12 h 58 min
